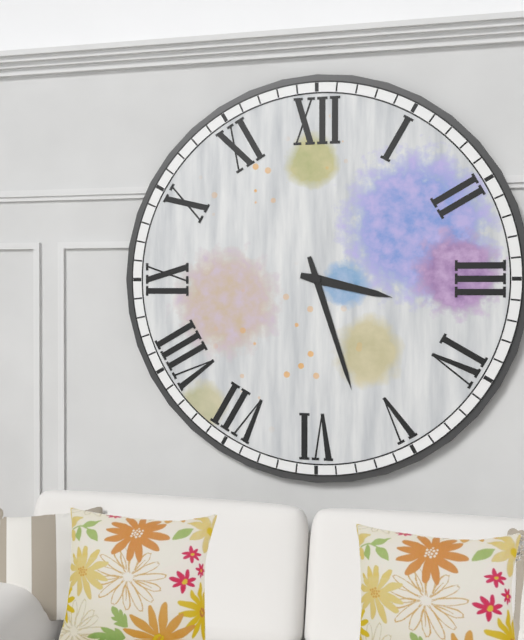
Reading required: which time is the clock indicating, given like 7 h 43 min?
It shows 3 h 27 min
